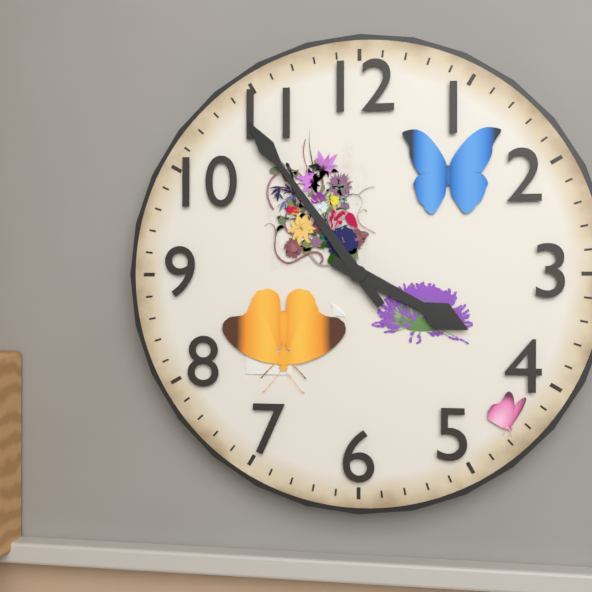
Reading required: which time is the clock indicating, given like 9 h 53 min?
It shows 3 h 54 min
